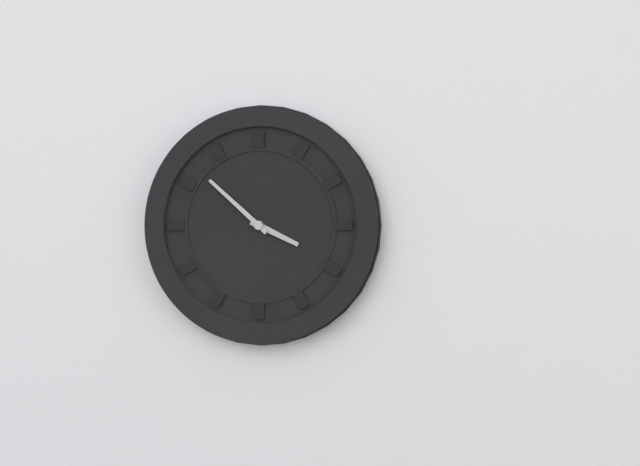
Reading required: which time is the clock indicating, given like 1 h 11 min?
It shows 3 h 52 min
